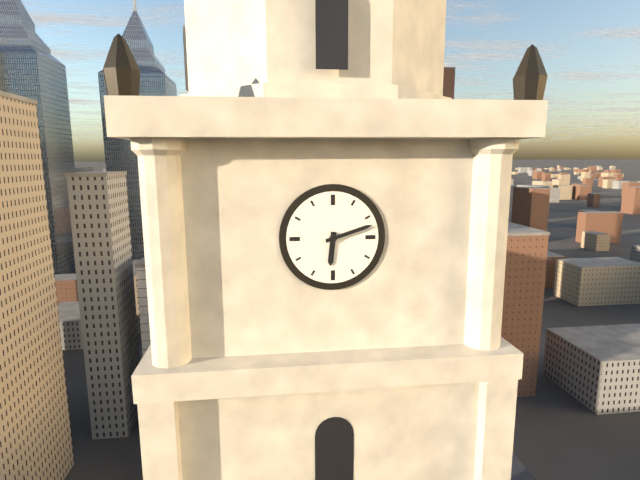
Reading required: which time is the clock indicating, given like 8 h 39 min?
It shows 6 h 12 min
